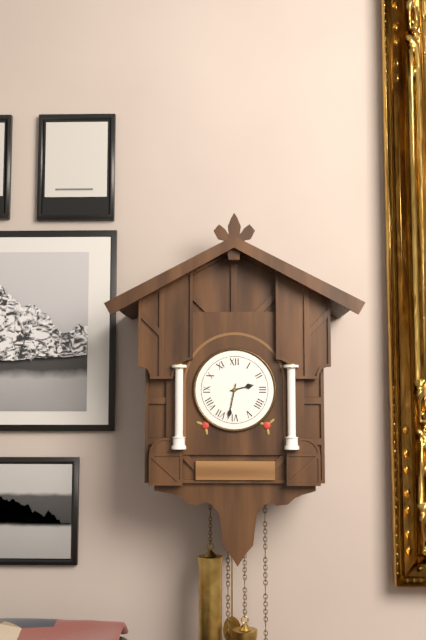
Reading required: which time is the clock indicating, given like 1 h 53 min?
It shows 2 h 32 min
